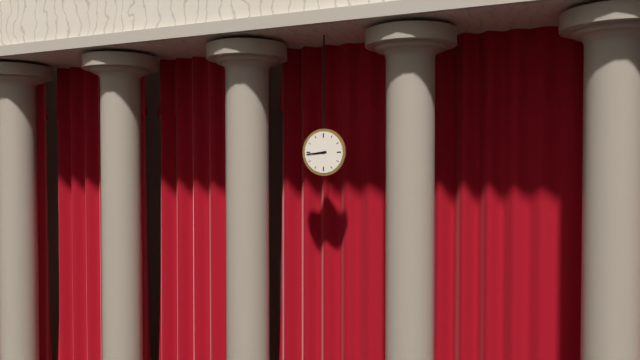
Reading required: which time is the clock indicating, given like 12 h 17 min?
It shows 8 h 44 min
